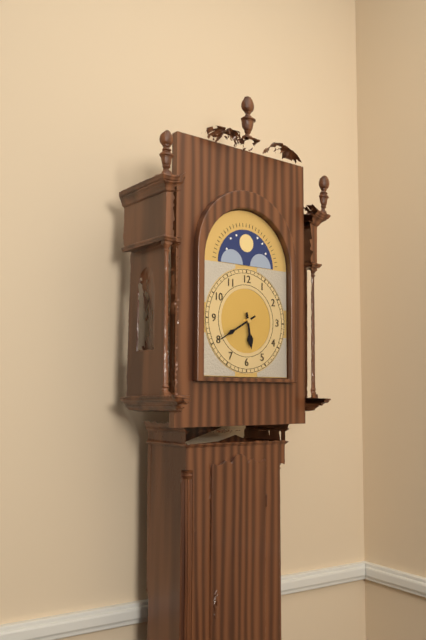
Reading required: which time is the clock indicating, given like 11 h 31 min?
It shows 5 h 40 min
